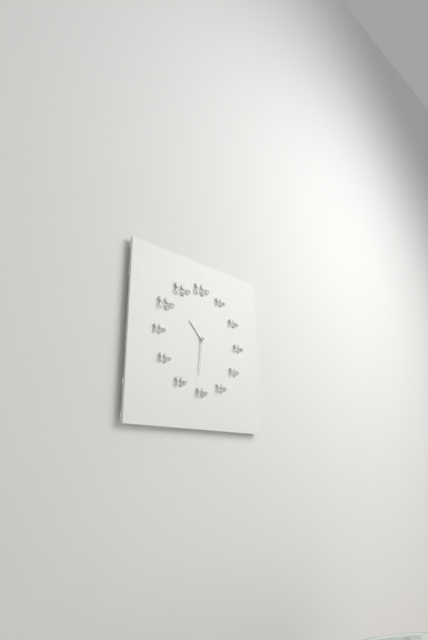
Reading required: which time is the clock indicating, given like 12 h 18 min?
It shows 10 h 31 min
